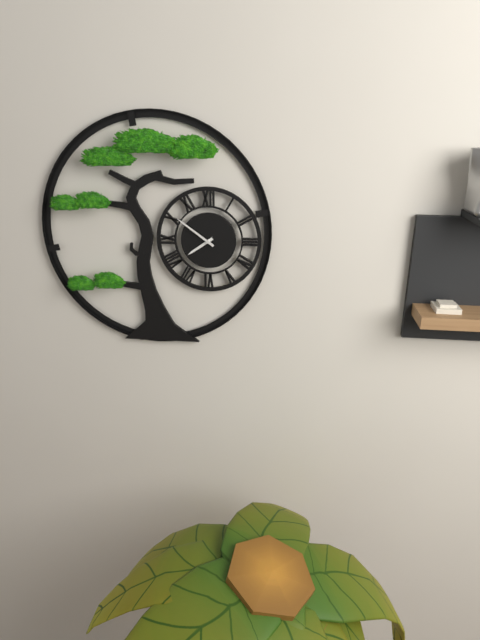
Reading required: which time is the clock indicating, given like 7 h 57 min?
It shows 7 h 51 min
